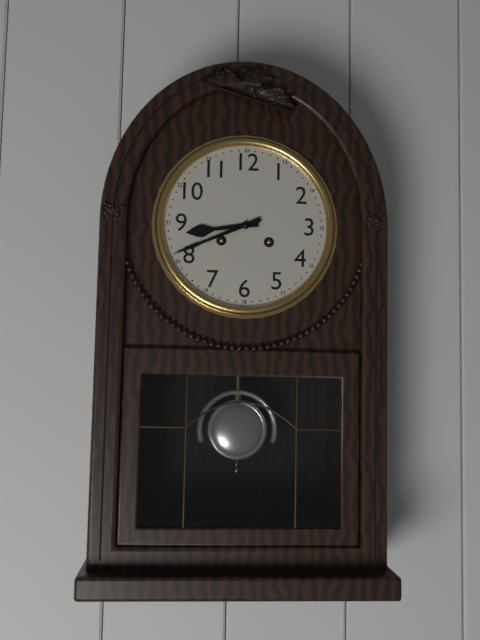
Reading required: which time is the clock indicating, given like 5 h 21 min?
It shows 8 h 41 min
